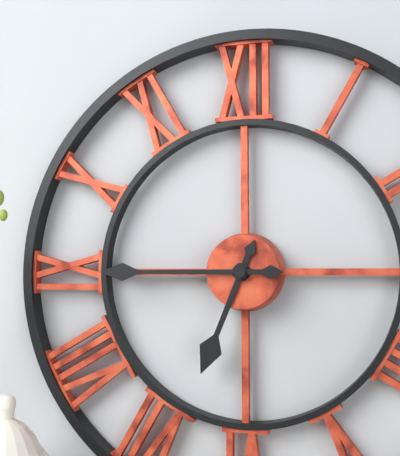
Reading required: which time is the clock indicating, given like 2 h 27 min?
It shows 6 h 45 min
